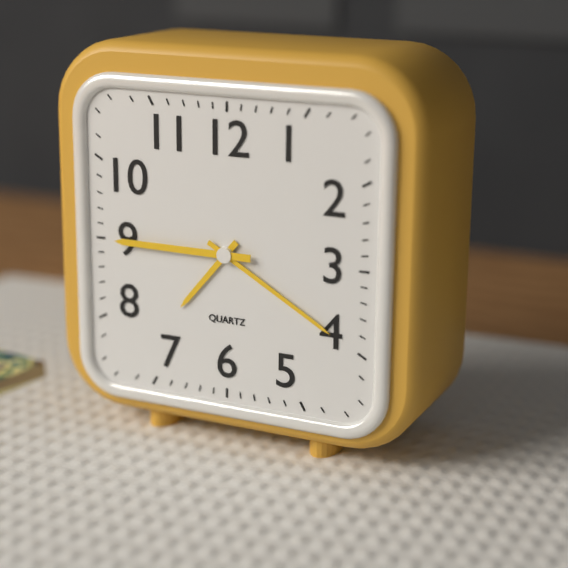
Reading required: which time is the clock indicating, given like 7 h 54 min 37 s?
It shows 7 h 20 min 45 s
